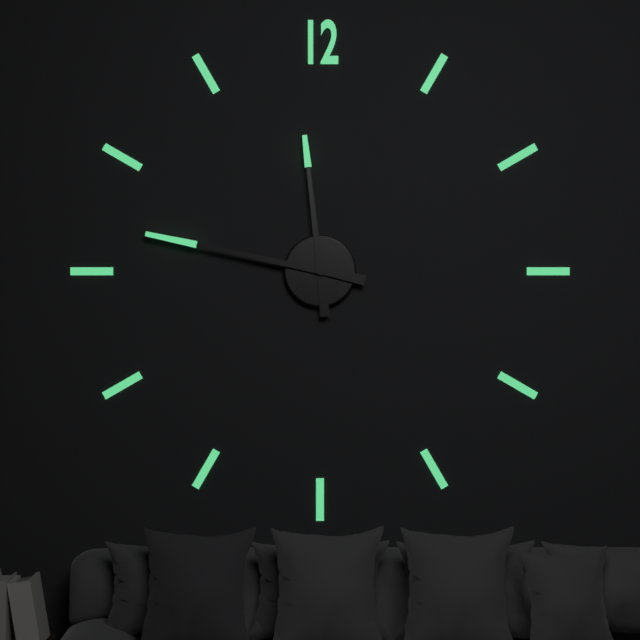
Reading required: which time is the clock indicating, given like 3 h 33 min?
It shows 11 h 47 min
